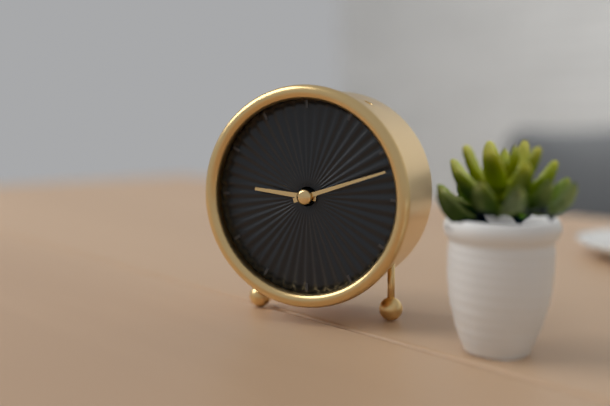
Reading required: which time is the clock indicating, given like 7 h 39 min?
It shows 9 h 12 min
